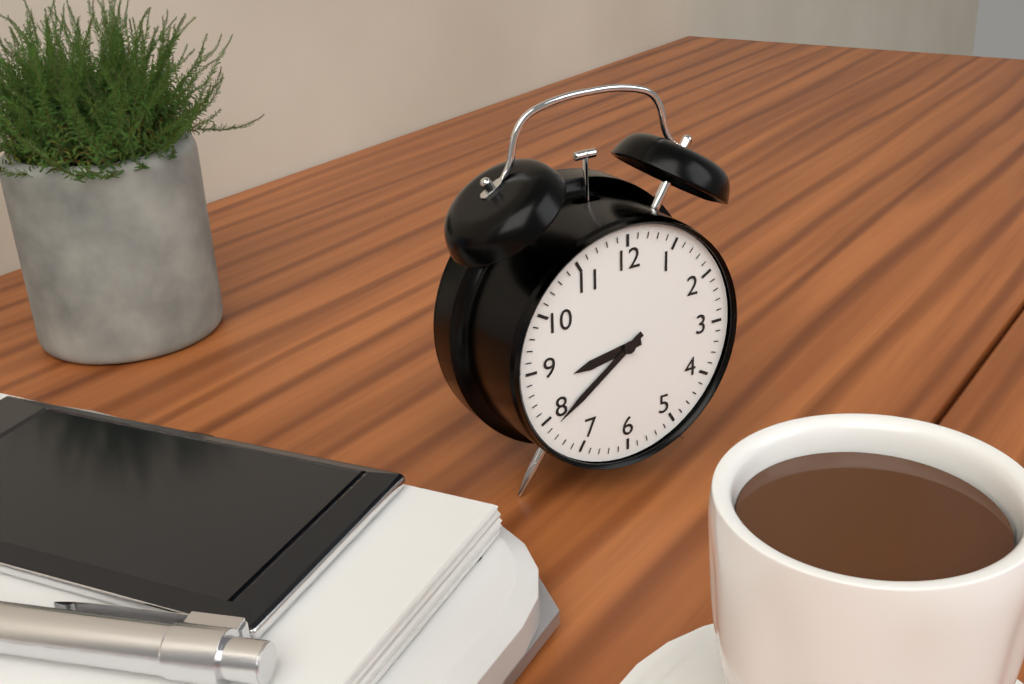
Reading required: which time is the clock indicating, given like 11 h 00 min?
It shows 8 h 39 min
